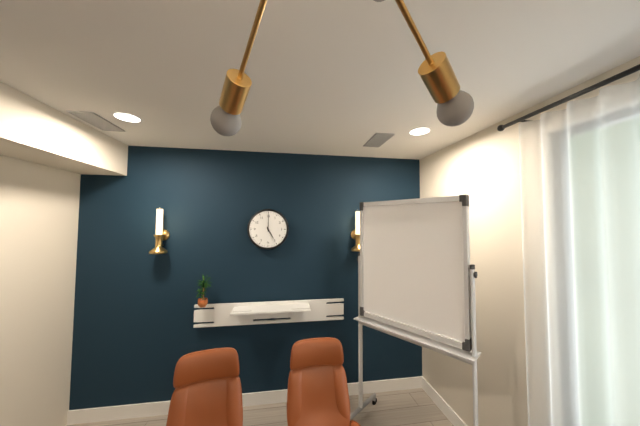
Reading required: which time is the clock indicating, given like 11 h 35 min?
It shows 5 h 00 min
